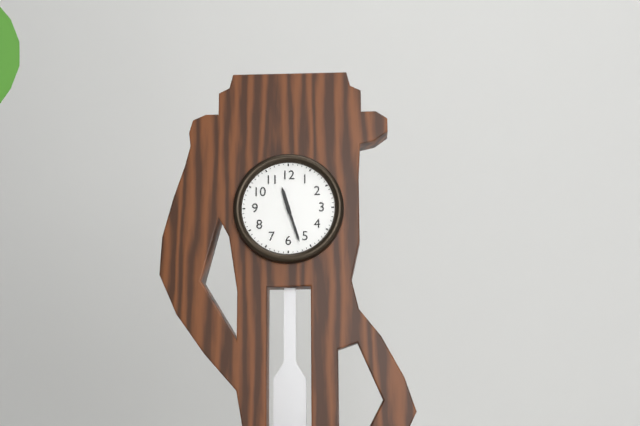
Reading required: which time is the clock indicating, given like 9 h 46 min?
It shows 11 h 27 min
